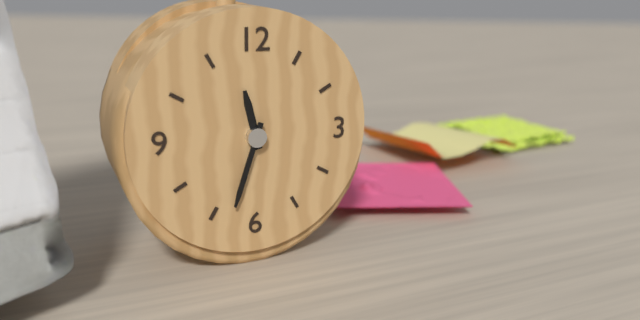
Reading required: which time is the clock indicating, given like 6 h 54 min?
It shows 11 h 33 min
